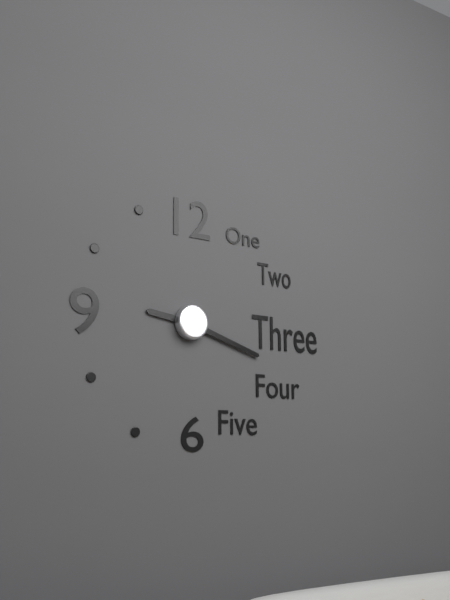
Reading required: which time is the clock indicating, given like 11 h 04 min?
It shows 9 h 18 min
